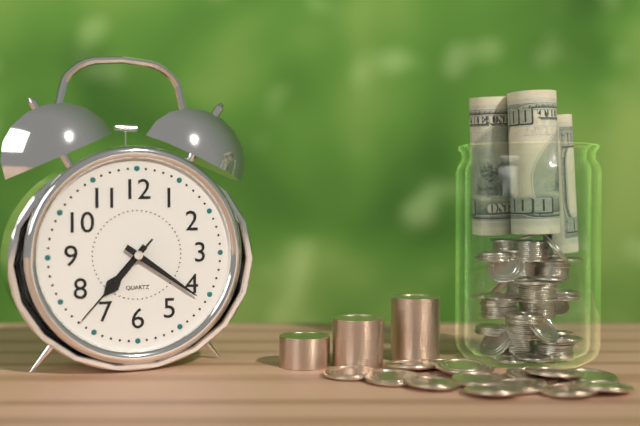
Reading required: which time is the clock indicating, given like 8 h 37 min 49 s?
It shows 7 h 21 min 37 s
